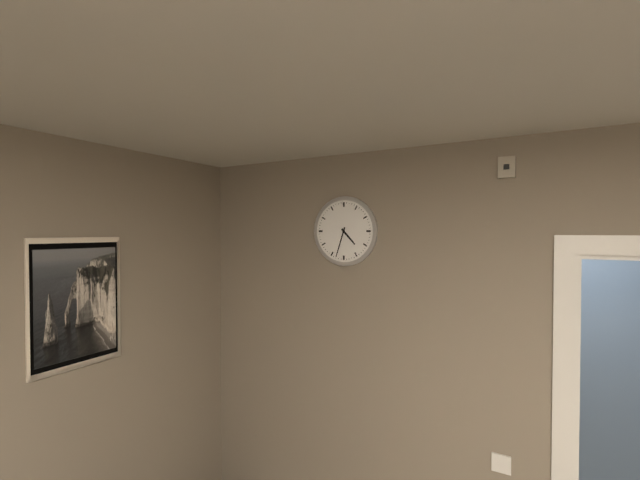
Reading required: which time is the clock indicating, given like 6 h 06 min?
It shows 4 h 33 min
